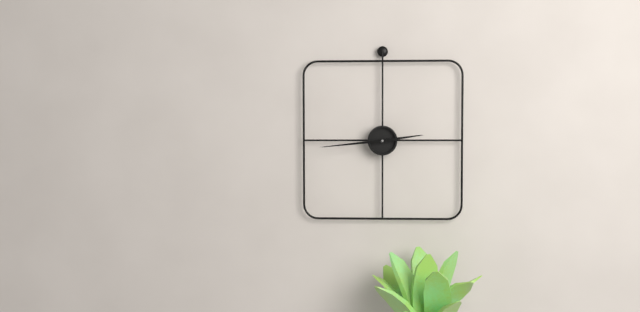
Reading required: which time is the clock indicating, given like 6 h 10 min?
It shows 2 h 44 min
